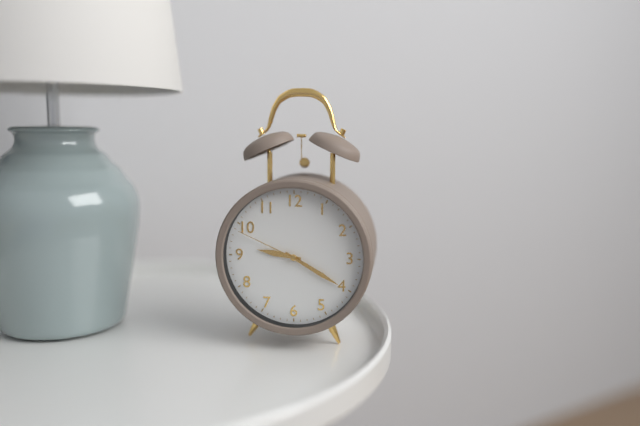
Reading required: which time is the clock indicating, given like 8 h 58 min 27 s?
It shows 9 h 20 min 49 s
